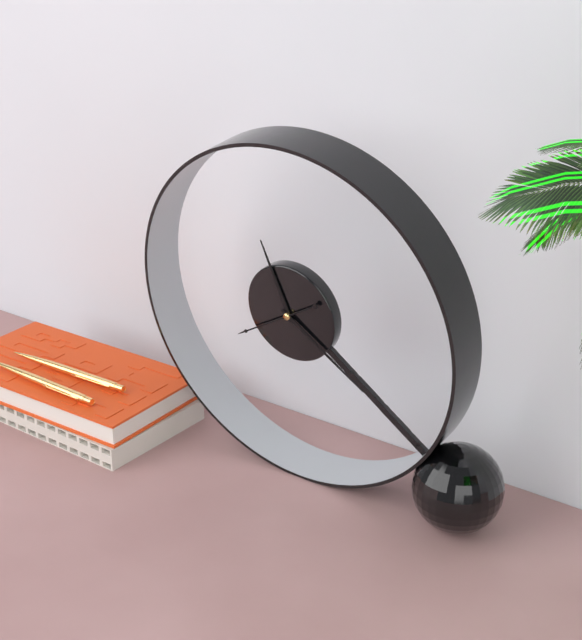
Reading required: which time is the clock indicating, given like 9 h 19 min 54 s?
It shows 11 h 21 min 40 s
